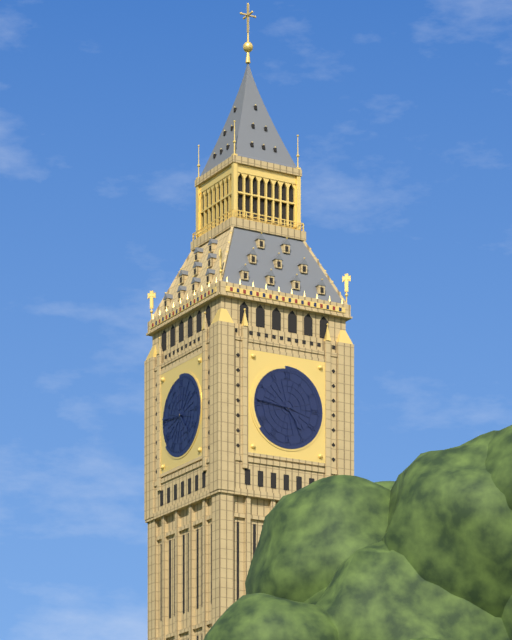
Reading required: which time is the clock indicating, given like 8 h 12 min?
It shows 4 h 46 min
